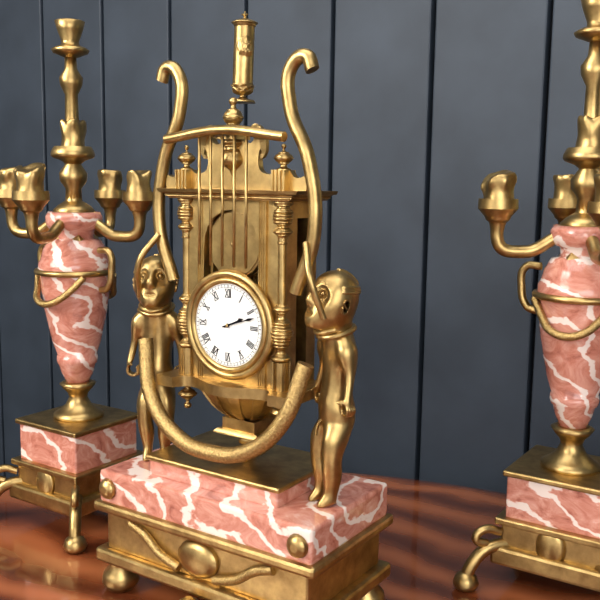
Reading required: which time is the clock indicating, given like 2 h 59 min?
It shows 2 h 12 min
